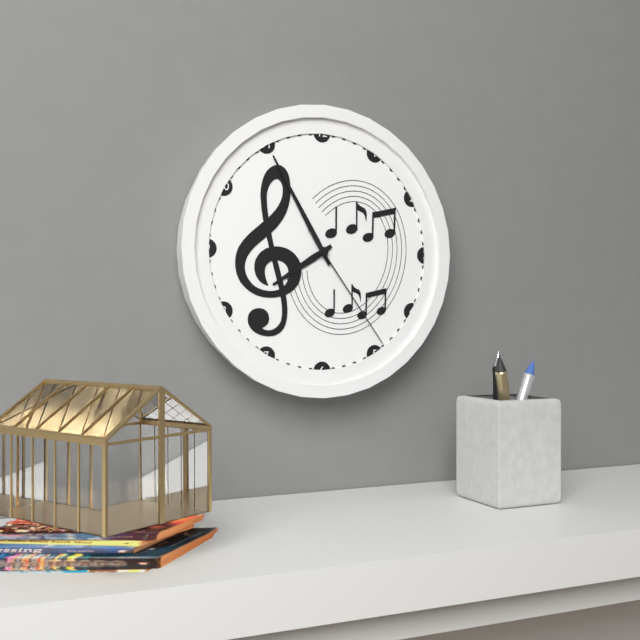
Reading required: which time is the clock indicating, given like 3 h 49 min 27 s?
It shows 7 h 55 min 24 s
